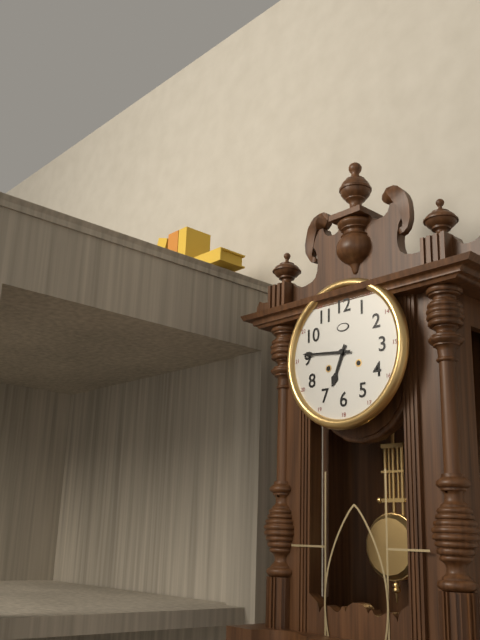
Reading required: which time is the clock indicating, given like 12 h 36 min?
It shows 6 h 46 min
